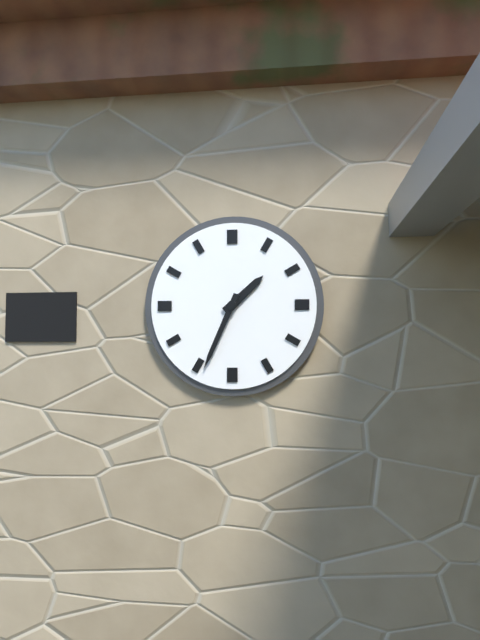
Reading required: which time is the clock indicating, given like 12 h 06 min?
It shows 1 h 34 min
